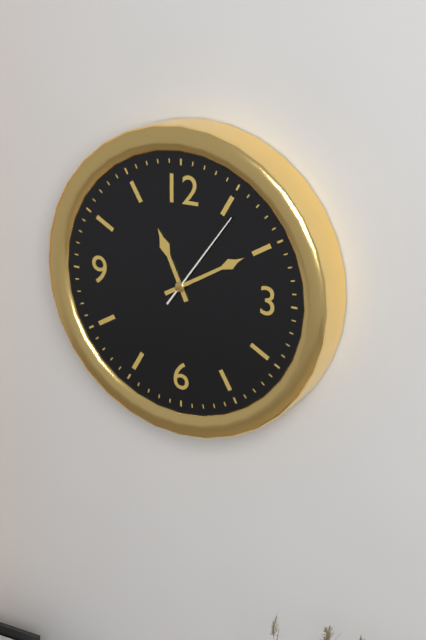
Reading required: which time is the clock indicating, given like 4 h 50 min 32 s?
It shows 11 h 10 min 06 s
